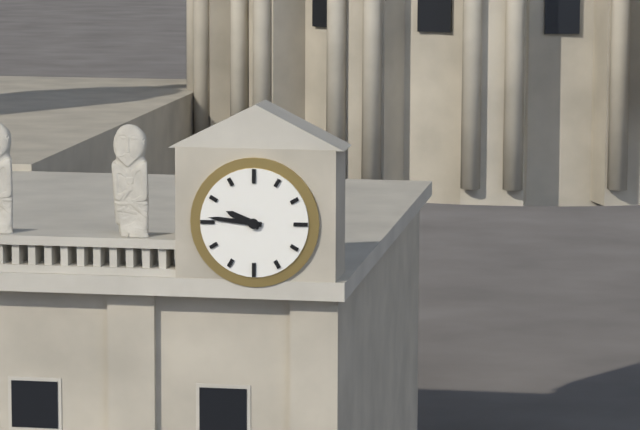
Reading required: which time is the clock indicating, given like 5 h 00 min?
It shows 9 h 46 min
